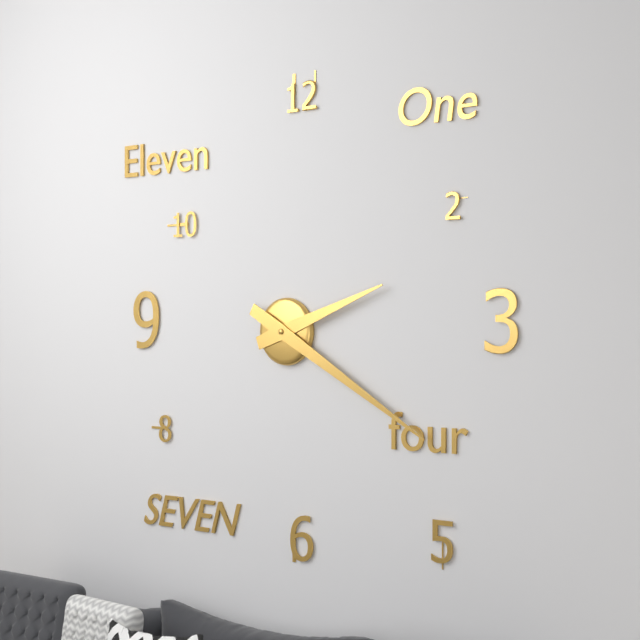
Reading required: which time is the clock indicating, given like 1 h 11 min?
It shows 2 h 20 min
